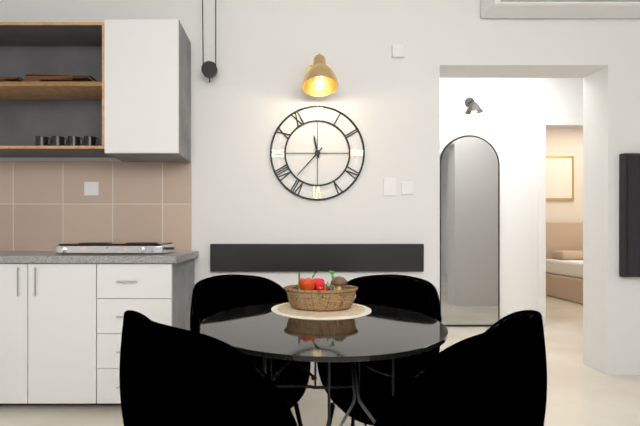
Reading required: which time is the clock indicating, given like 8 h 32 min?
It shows 11 h 37 min
